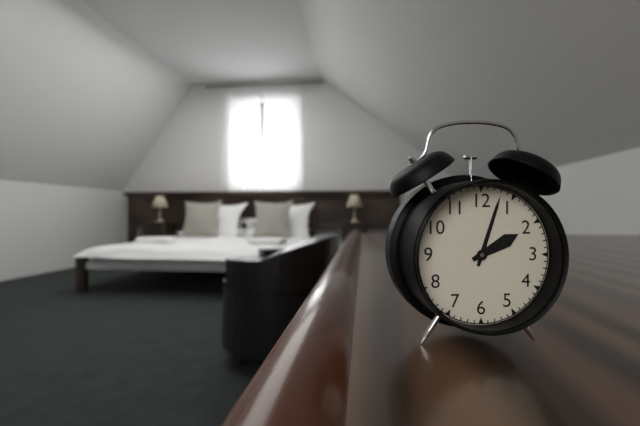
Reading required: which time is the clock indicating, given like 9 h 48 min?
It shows 2 h 03 min
